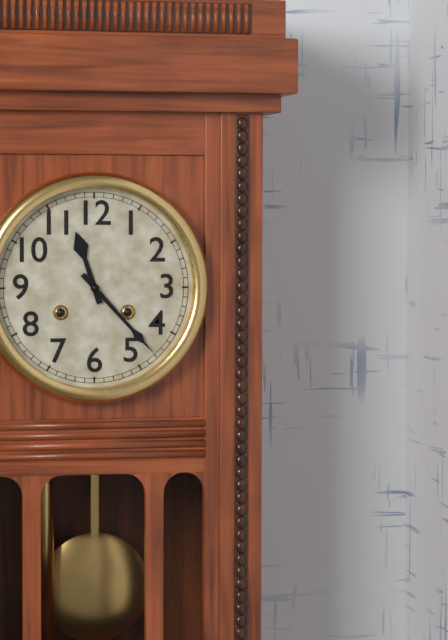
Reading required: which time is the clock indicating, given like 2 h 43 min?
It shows 11 h 23 min
